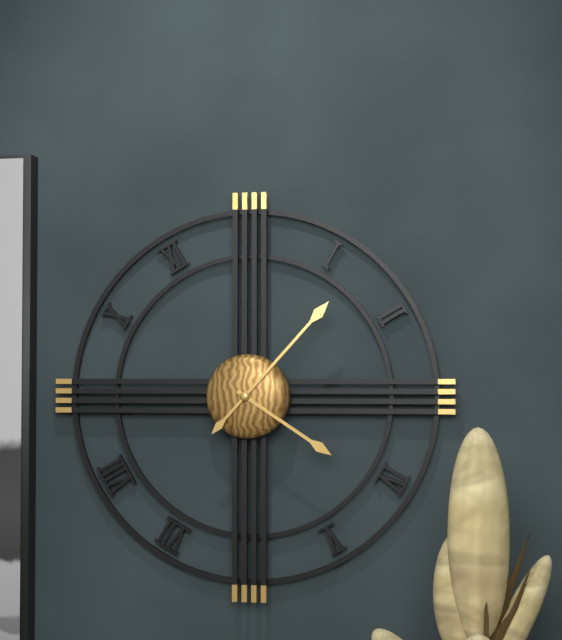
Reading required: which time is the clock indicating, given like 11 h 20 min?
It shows 4 h 07 min
